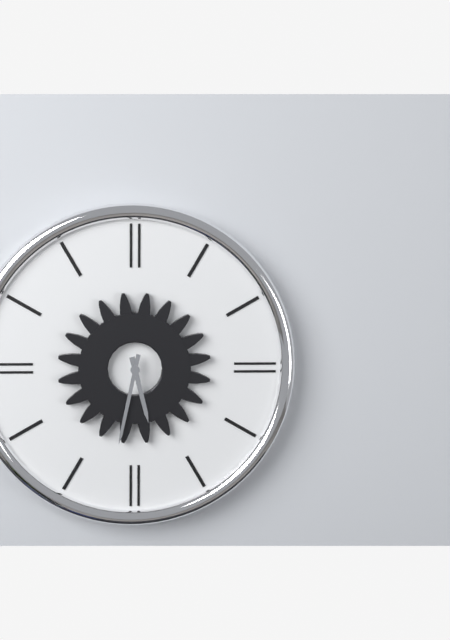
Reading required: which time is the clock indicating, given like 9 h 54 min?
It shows 5 h 32 min
